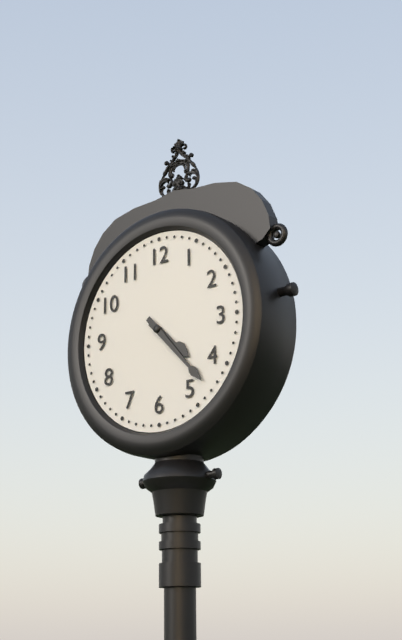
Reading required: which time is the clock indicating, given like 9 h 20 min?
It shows 4 h 23 min
